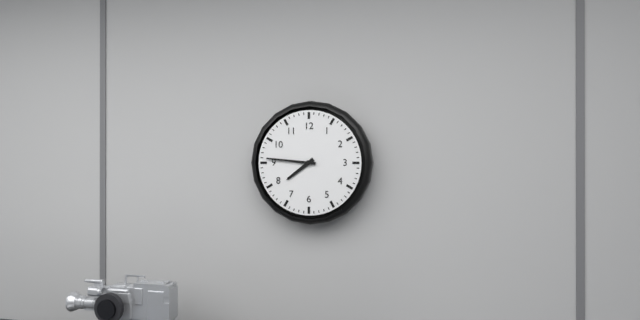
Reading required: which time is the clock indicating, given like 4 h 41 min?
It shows 7 h 46 min
